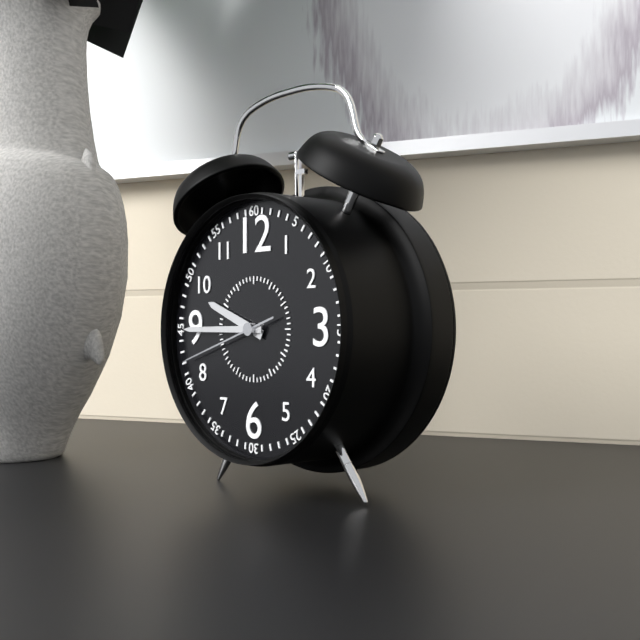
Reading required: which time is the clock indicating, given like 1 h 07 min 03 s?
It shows 9 h 45 min 42 s
